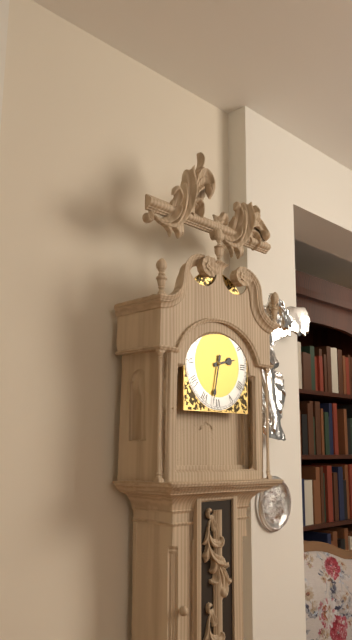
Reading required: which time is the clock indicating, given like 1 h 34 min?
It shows 2 h 32 min
